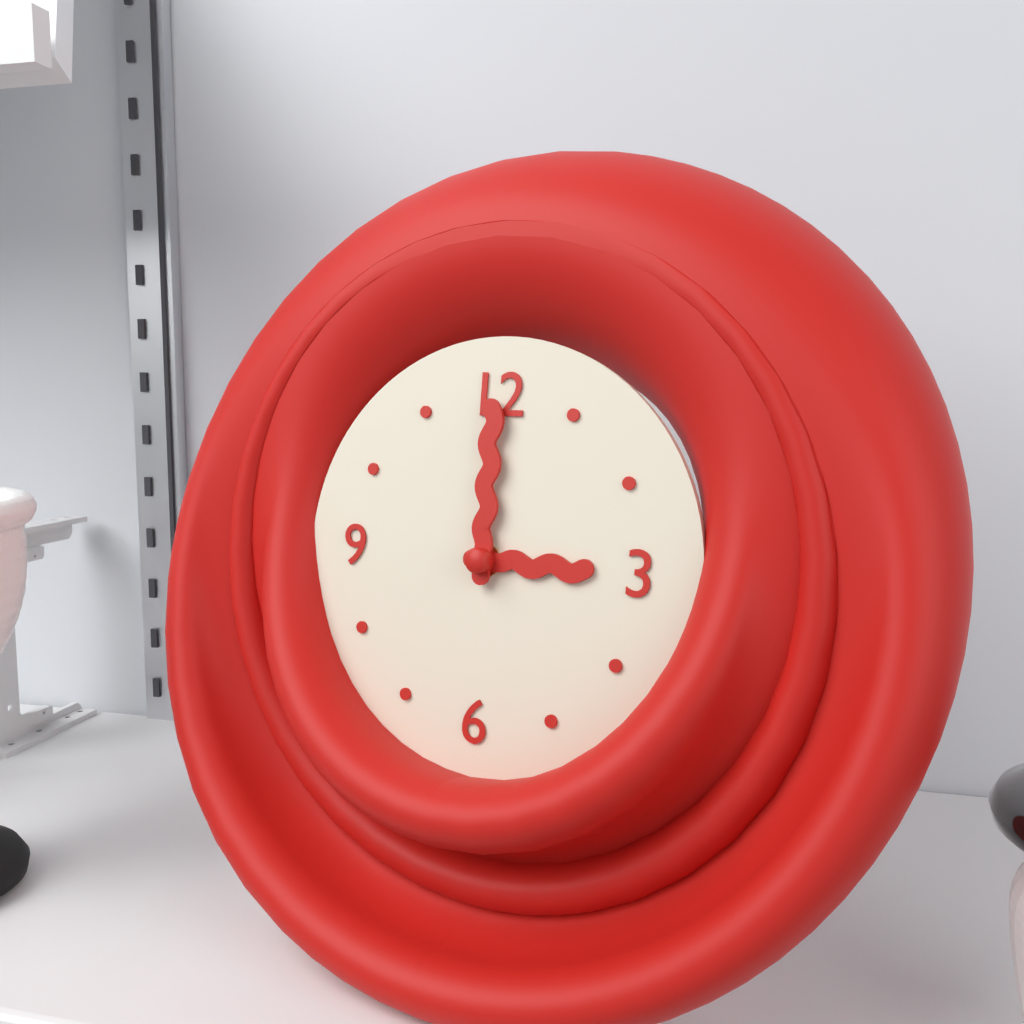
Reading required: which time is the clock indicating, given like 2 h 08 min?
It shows 3 h 00 min
